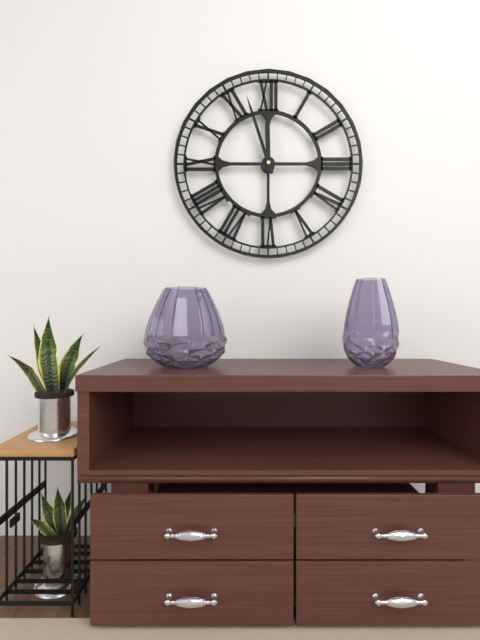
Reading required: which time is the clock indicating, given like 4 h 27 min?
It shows 11 h 57 min
